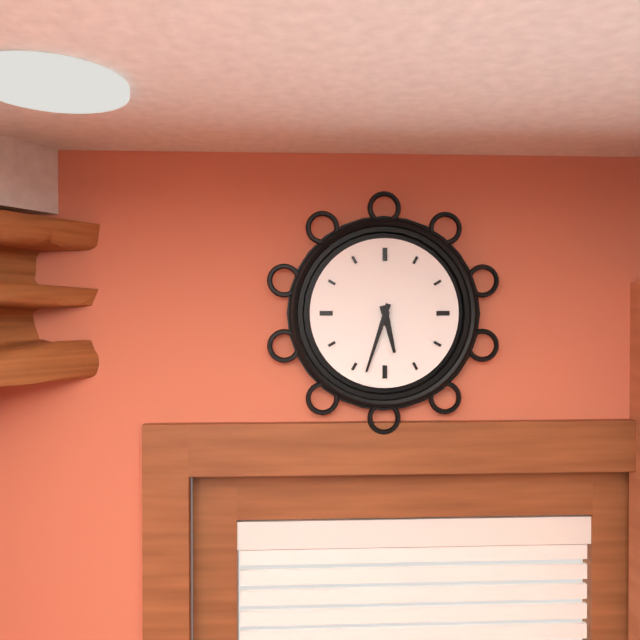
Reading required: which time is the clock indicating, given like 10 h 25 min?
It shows 5 h 33 min
